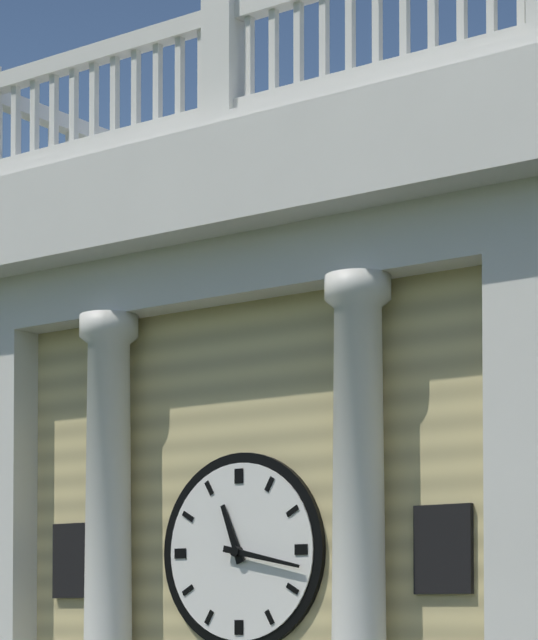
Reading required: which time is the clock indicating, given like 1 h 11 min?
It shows 11 h 17 min
